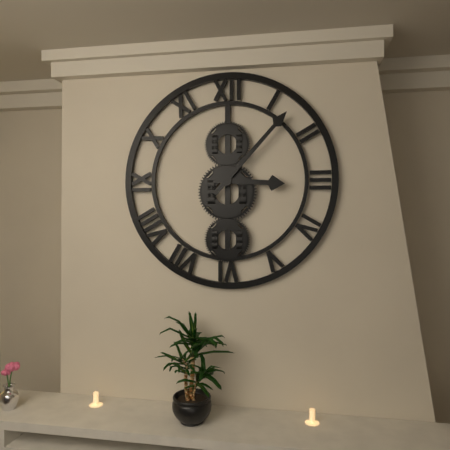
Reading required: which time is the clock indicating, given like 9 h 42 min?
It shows 3 h 07 min
